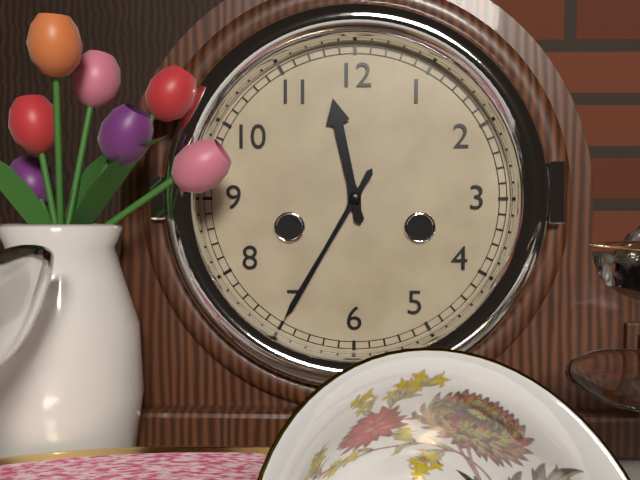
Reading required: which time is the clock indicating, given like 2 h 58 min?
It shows 11 h 35 min
